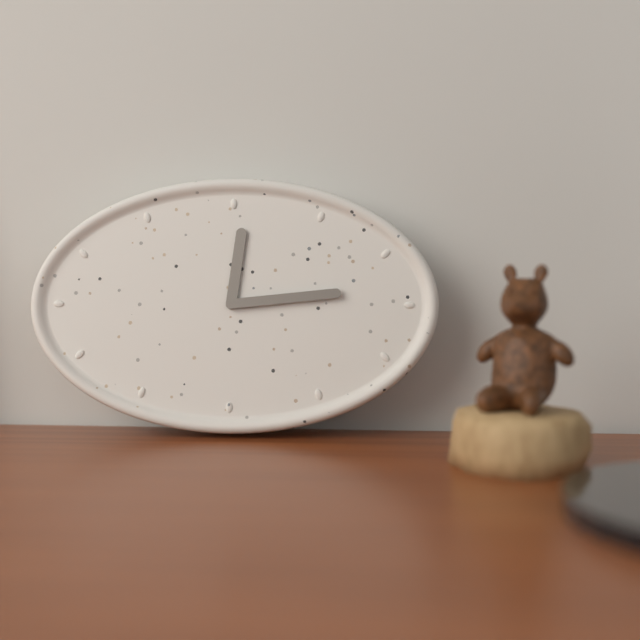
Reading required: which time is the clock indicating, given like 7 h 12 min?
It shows 12 h 14 min
